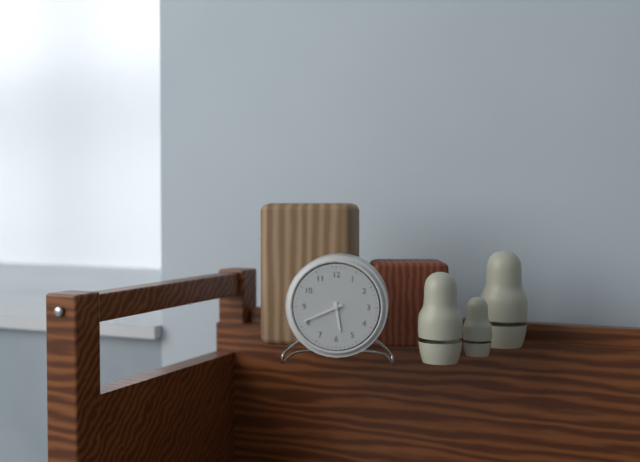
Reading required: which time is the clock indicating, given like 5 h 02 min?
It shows 5 h 41 min
